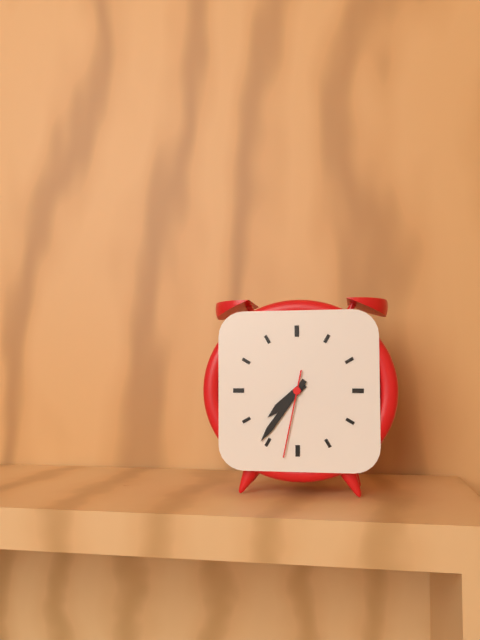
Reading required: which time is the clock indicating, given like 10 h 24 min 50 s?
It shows 7 h 36 min 32 s
